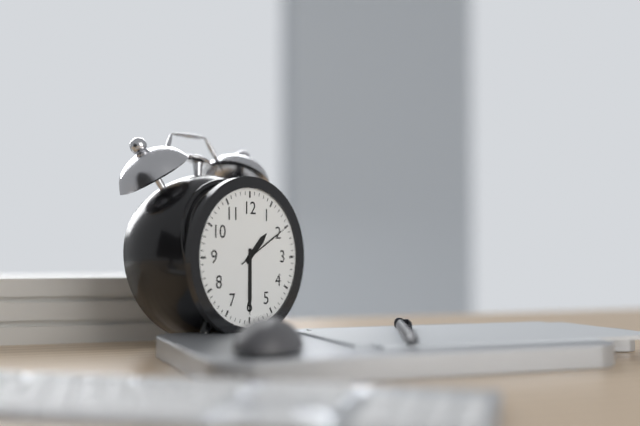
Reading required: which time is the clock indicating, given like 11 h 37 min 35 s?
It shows 1 h 30 min 10 s
